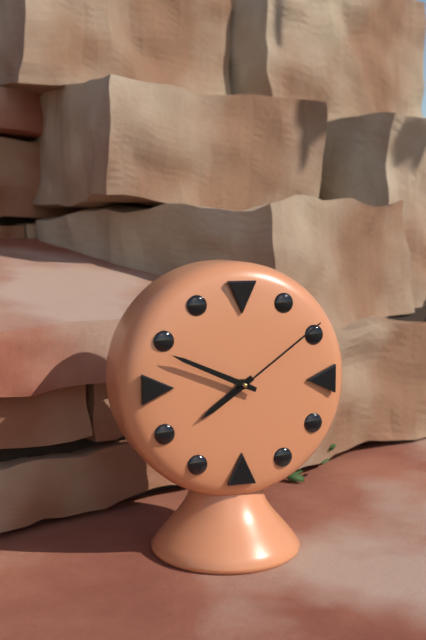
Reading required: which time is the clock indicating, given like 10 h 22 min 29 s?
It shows 7 h 49 min 09 s
